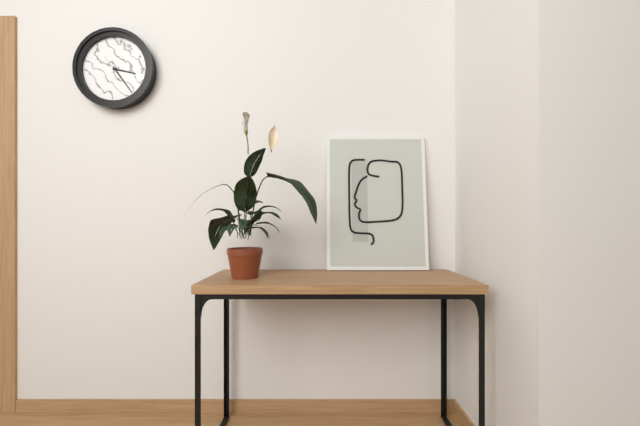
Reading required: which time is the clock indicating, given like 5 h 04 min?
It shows 3 h 24 min
